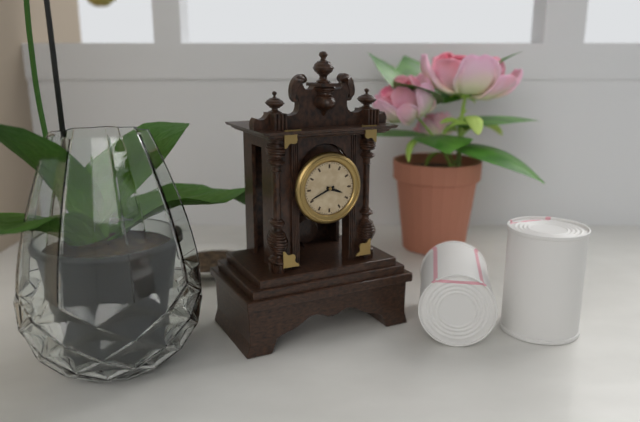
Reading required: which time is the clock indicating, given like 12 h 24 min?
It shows 3 h 41 min
